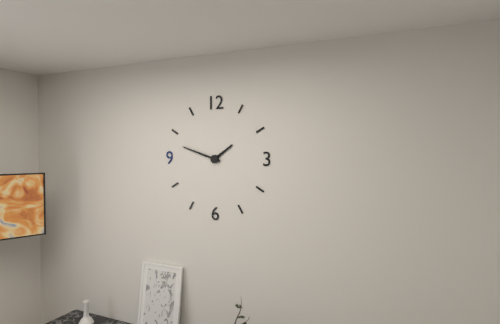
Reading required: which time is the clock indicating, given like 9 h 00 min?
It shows 1 h 48 min
